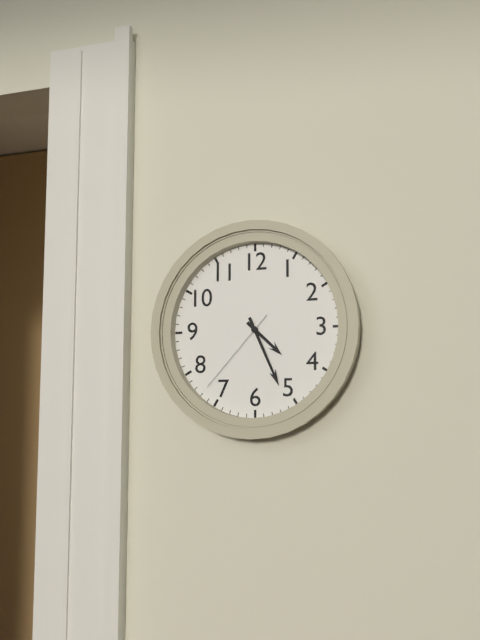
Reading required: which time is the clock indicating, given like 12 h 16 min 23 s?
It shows 4 h 26 min 37 s
